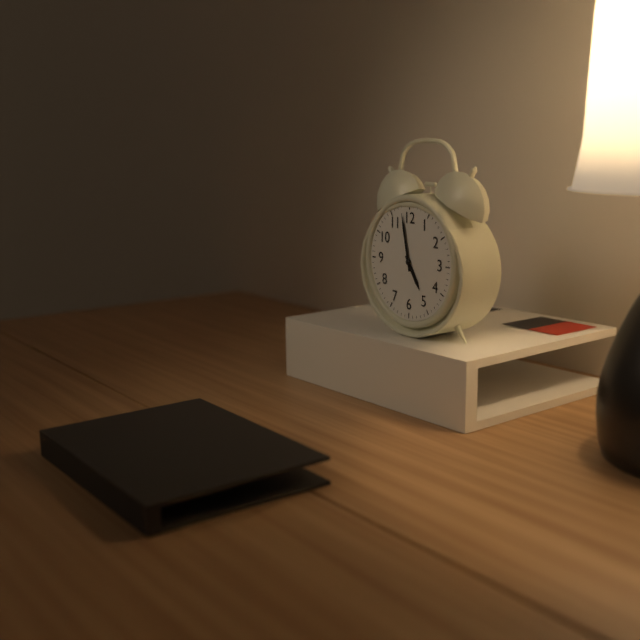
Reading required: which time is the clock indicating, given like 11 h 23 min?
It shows 4 h 58 min
